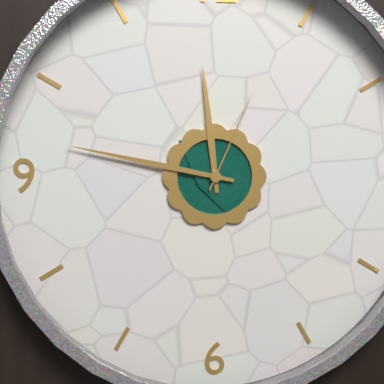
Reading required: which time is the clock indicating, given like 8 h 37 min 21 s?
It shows 11 h 47 min 04 s
